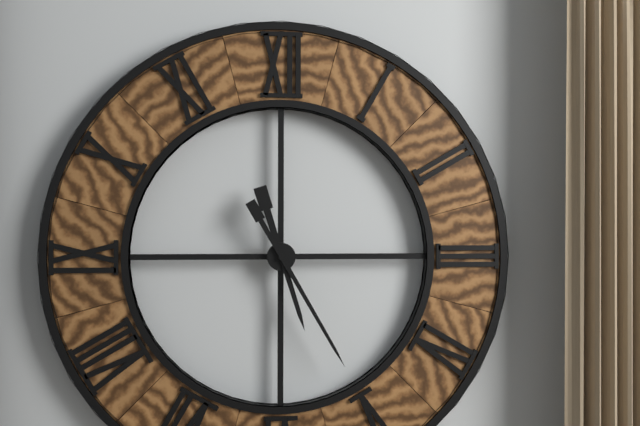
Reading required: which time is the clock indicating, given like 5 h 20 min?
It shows 5 h 25 min
